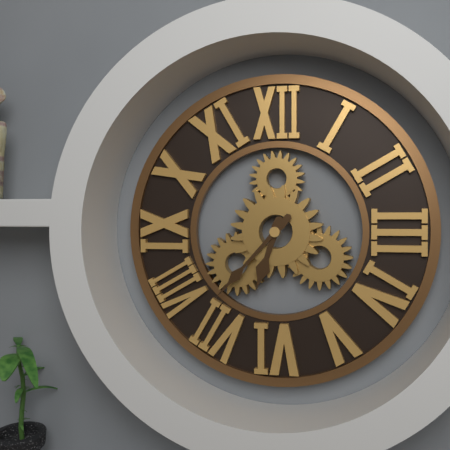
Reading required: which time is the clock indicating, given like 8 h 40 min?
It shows 6 h 37 min
